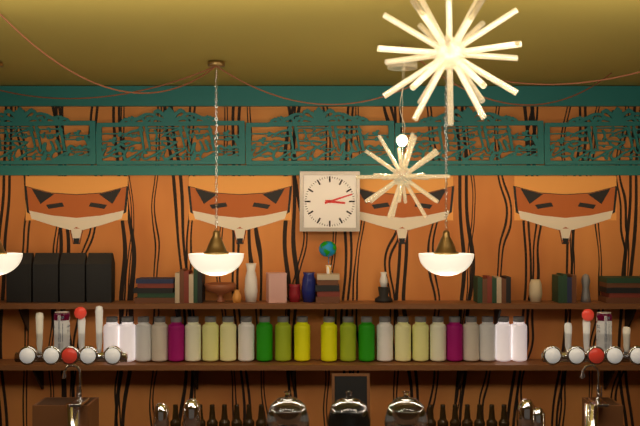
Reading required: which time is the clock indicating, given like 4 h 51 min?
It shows 3 h 12 min
